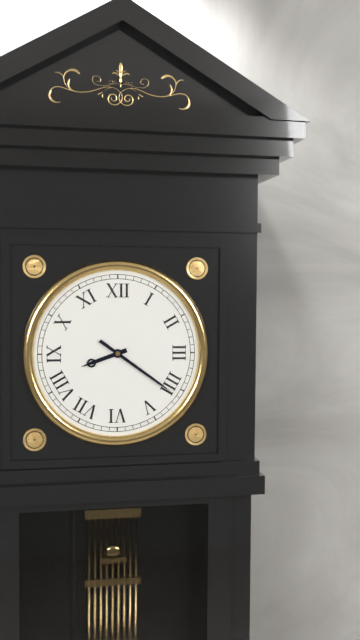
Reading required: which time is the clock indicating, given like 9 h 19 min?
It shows 8 h 21 min
